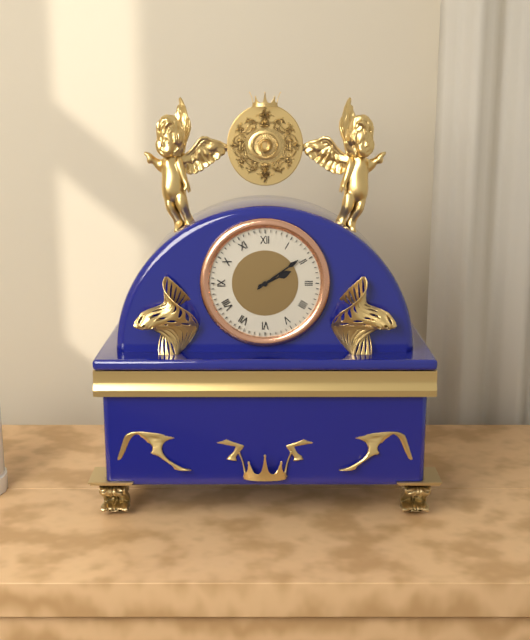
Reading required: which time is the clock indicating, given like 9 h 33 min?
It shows 2 h 09 min
